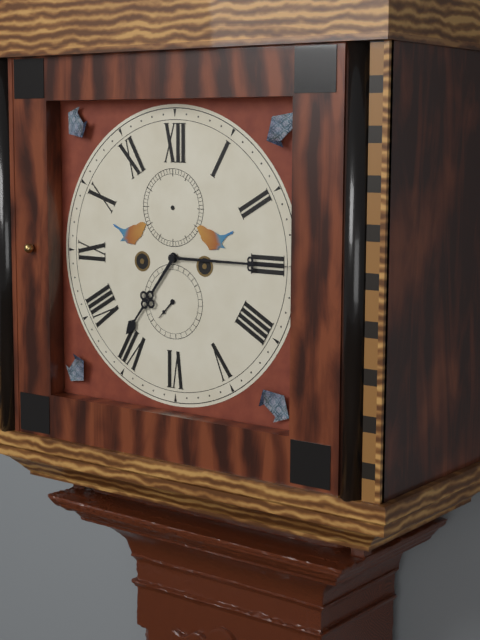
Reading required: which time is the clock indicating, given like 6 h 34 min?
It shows 7 h 15 min
